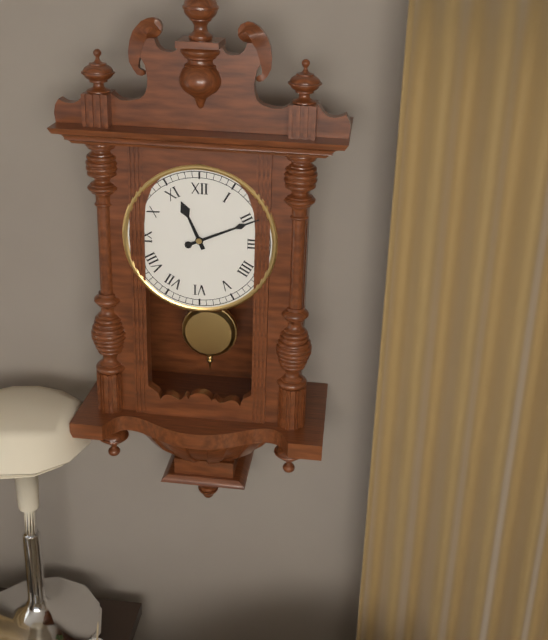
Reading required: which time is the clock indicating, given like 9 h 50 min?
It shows 11 h 11 min
